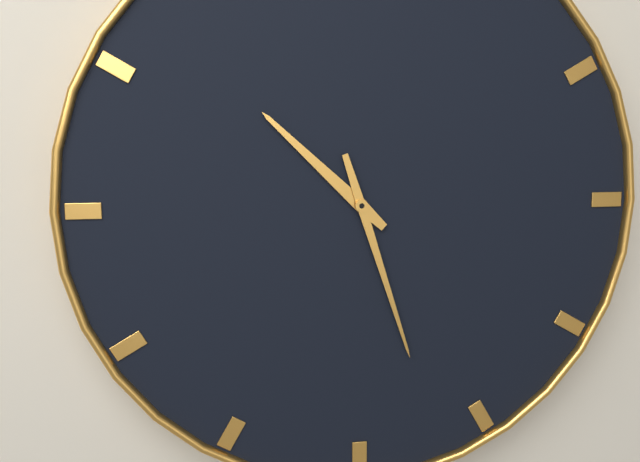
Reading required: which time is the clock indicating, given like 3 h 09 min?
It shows 10 h 27 min
